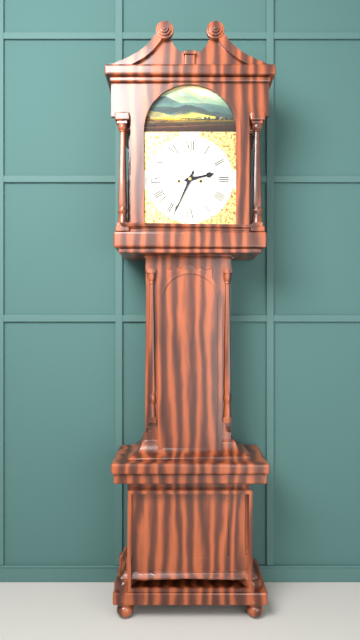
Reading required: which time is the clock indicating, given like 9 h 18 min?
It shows 2 h 34 min
